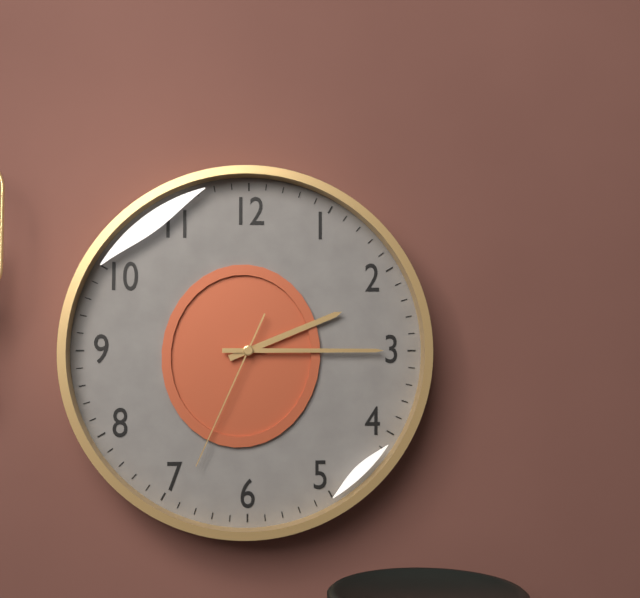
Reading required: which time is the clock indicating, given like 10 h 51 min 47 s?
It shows 2 h 15 min 34 s
